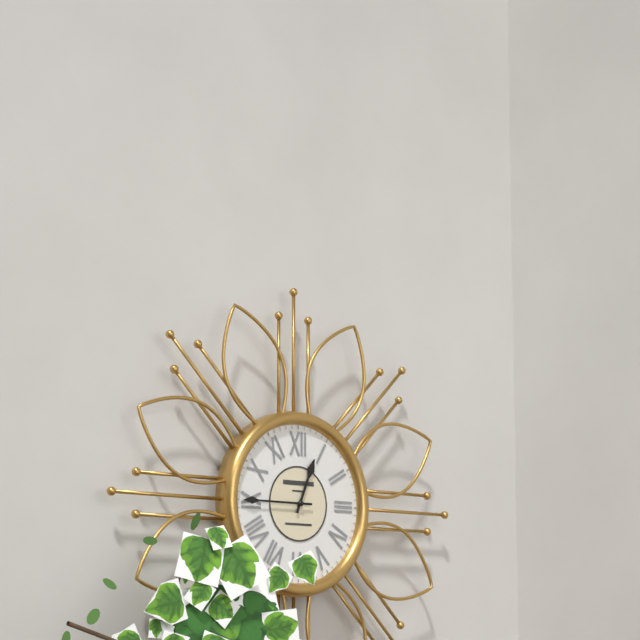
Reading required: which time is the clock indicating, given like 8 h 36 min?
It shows 12 h 45 min
